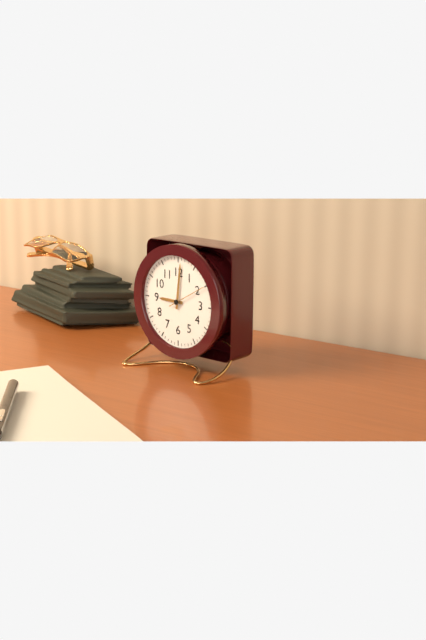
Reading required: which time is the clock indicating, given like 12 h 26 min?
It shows 9 h 01 min
